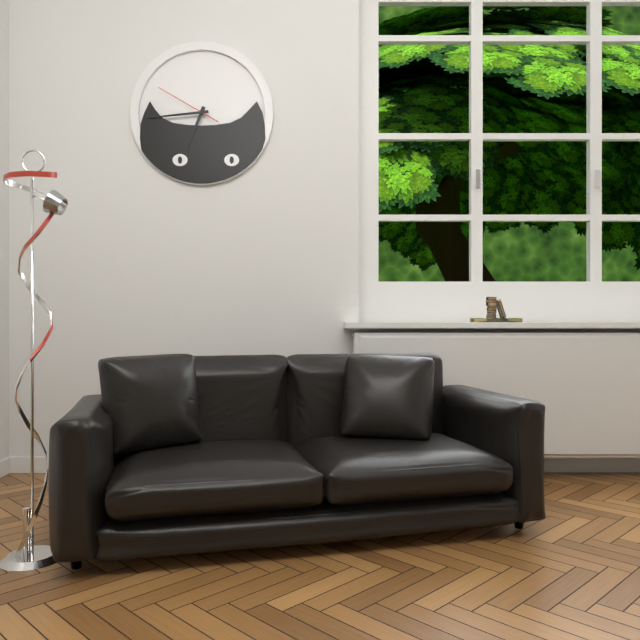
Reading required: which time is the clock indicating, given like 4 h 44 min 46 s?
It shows 6 h 44 min 50 s
